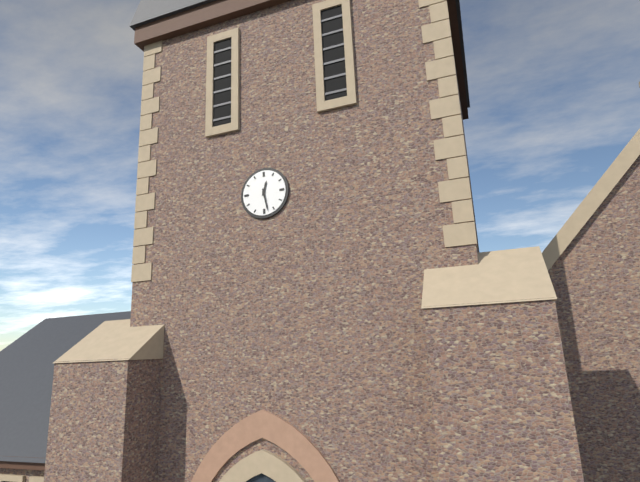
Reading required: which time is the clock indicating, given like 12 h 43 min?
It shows 12 h 28 min
